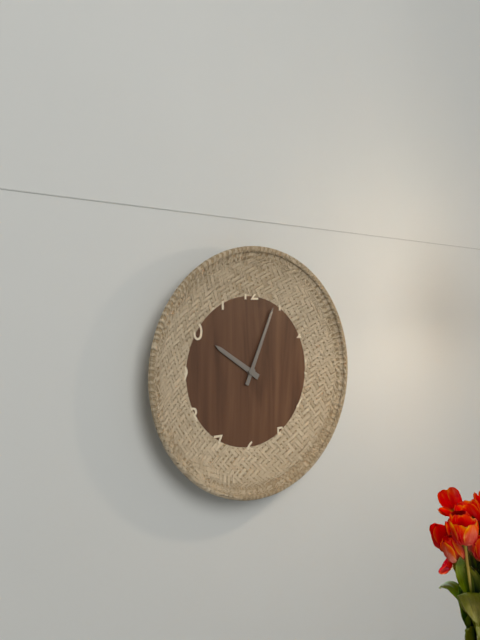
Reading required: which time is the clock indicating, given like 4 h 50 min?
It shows 10 h 04 min
